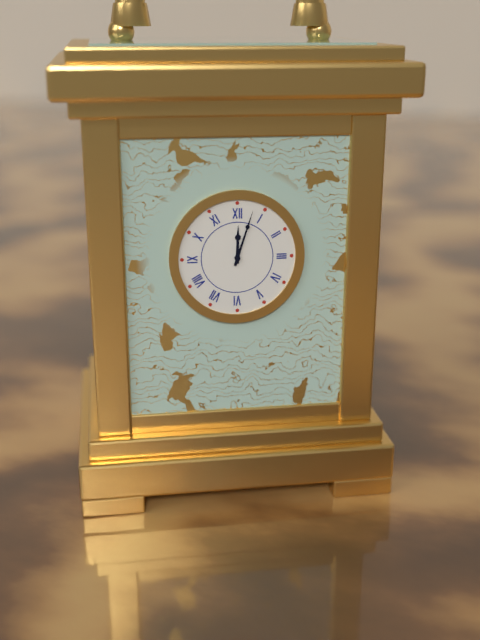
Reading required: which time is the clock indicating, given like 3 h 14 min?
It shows 12 h 03 min
